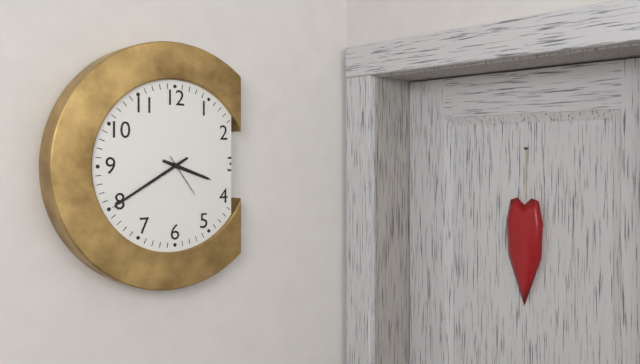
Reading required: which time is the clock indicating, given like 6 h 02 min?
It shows 3 h 40 min
